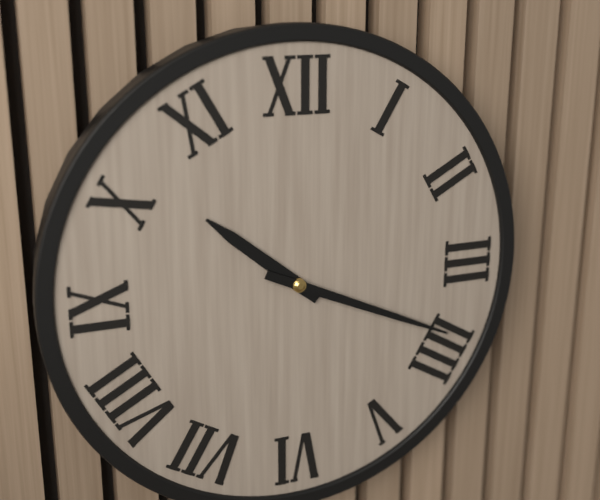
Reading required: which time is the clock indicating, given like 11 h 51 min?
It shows 10 h 19 min
